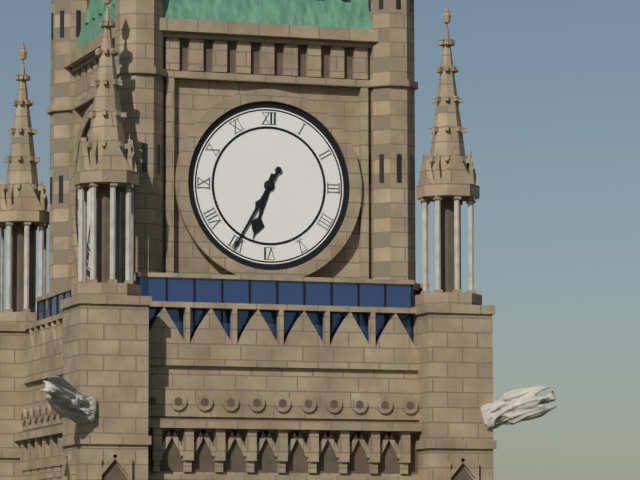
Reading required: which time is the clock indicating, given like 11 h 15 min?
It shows 6 h 35 min
